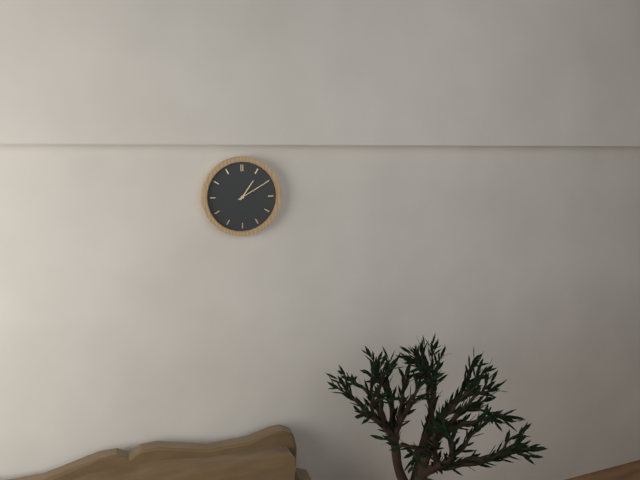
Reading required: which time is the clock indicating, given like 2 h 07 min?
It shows 1 h 10 min
